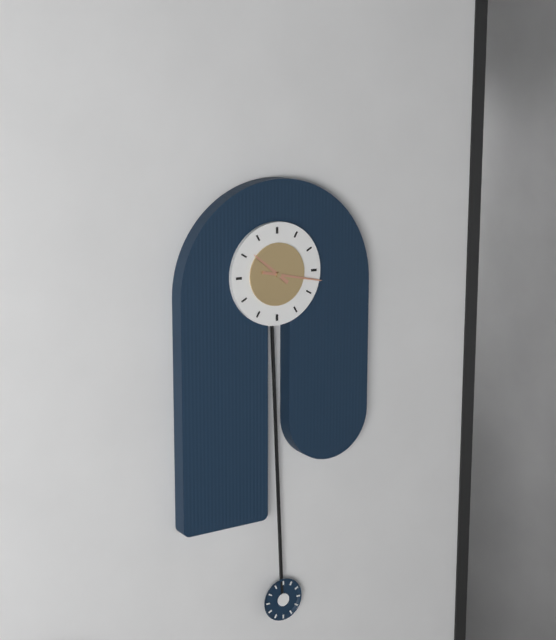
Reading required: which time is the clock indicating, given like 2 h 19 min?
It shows 10 h 17 min
